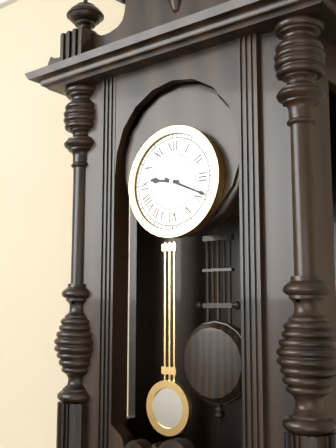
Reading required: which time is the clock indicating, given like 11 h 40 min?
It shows 9 h 19 min
